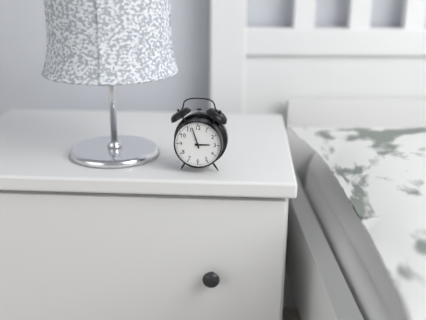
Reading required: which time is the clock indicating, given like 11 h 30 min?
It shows 2 h 57 min
